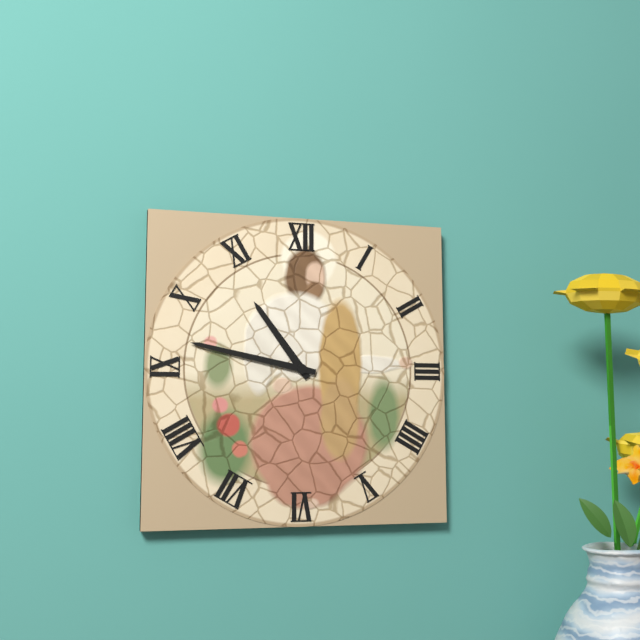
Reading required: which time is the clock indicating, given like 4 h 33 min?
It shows 10 h 47 min
